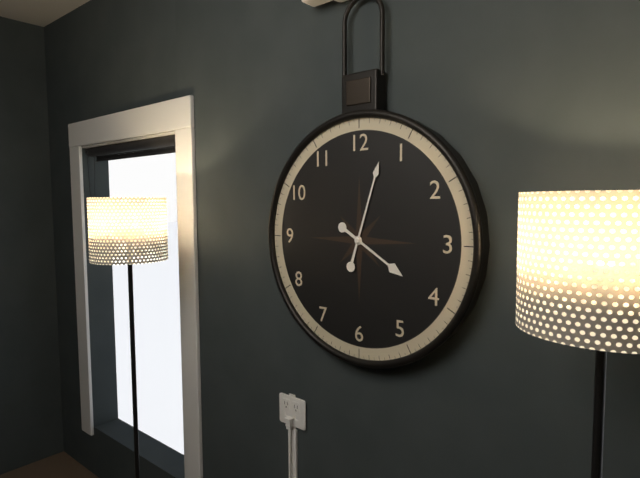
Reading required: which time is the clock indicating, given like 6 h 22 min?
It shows 4 h 03 min
